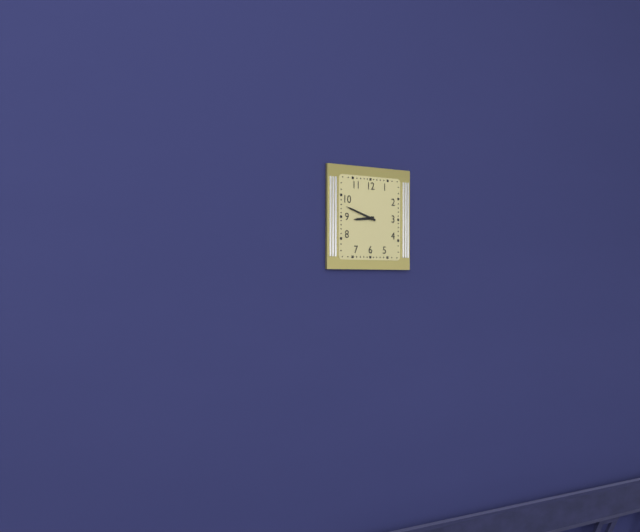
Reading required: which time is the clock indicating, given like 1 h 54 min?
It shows 8 h 48 min
